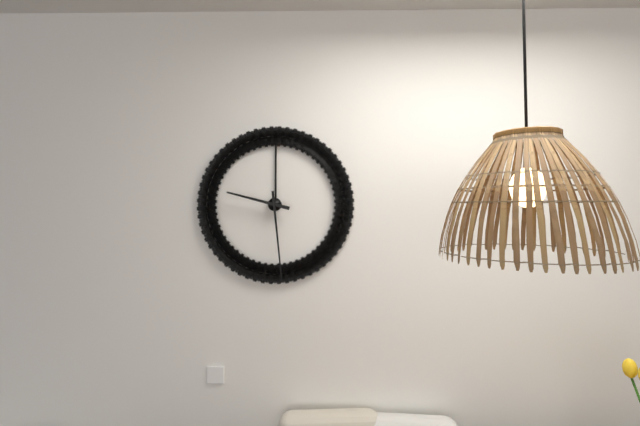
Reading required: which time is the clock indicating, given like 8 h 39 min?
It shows 9 h 29 min
